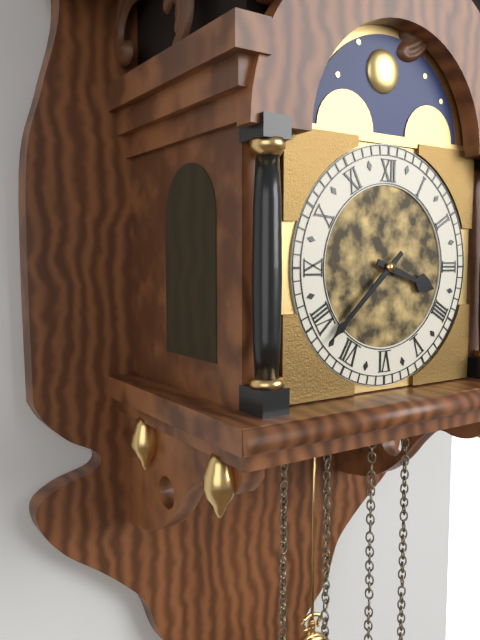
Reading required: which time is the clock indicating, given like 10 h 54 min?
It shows 3 h 38 min
